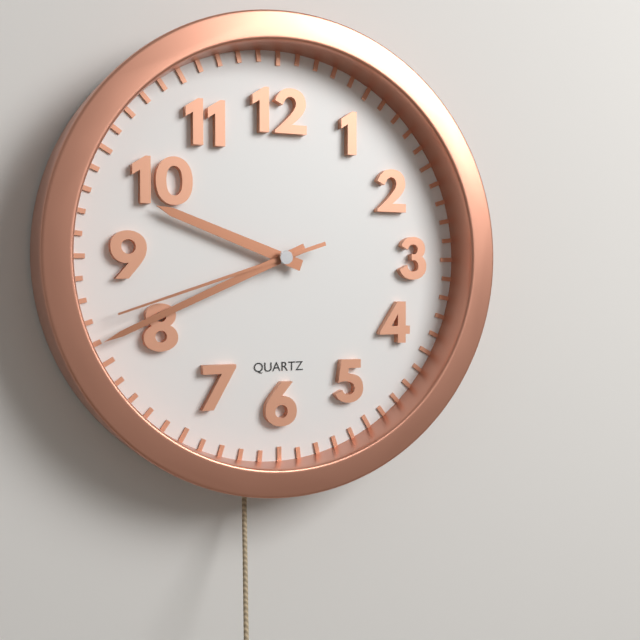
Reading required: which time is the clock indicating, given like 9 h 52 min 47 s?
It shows 9 h 41 min 42 s
